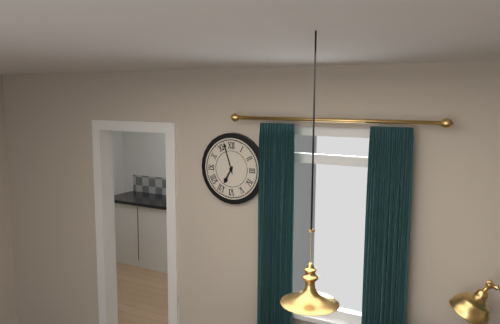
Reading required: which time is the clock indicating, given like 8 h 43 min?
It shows 6 h 57 min
